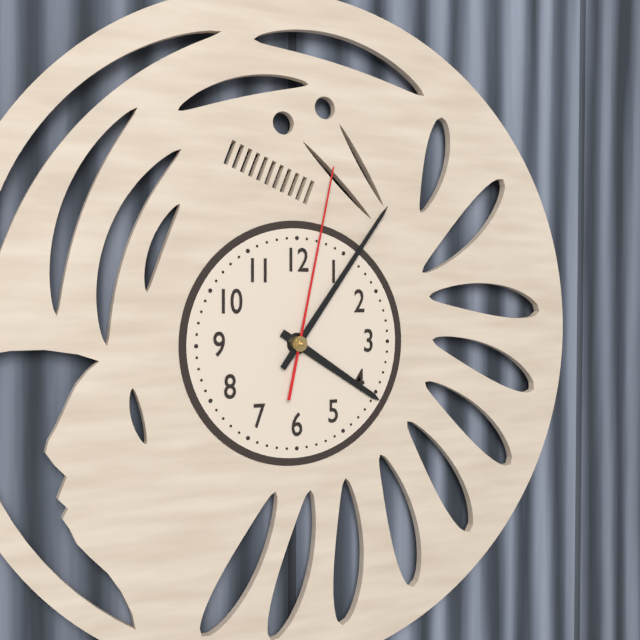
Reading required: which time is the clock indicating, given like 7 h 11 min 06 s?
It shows 4 h 06 min 02 s
